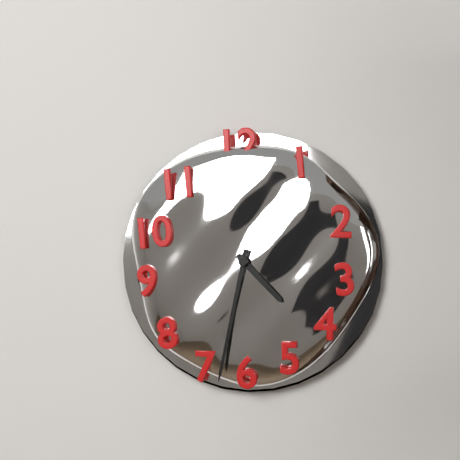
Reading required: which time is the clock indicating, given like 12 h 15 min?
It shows 4 h 32 min
